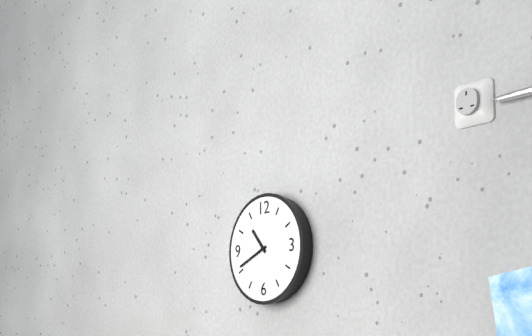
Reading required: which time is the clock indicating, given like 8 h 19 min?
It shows 10 h 41 min
